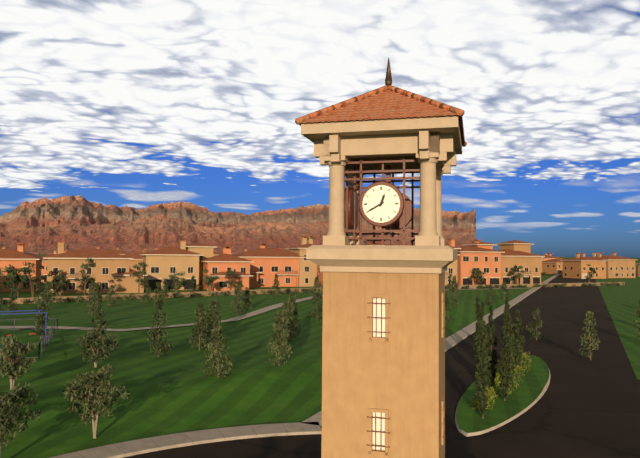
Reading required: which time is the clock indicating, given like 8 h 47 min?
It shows 12 h 40 min
